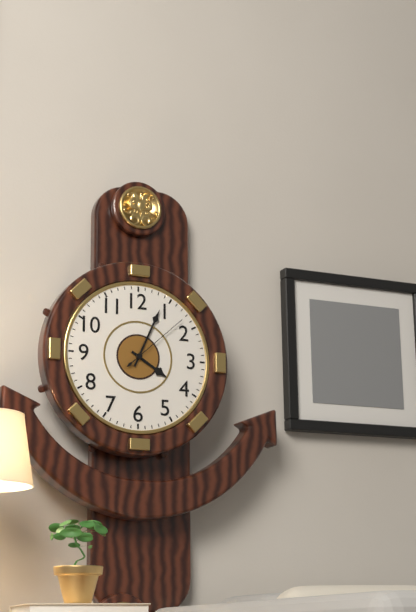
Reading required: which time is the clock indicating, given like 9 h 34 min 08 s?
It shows 4 h 04 min 08 s
